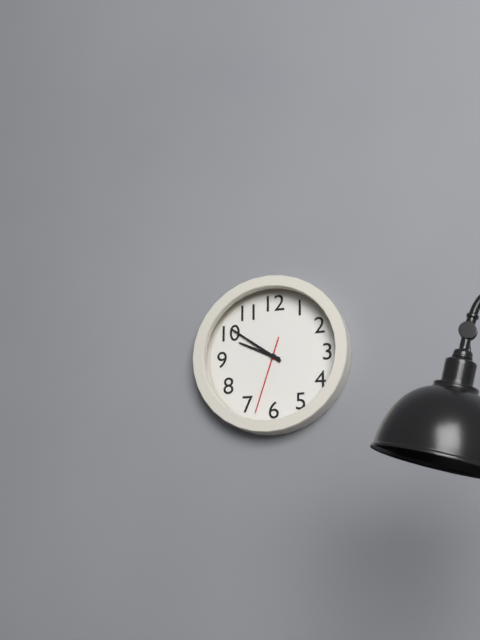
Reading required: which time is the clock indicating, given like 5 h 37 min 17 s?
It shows 9 h 51 min 33 s
